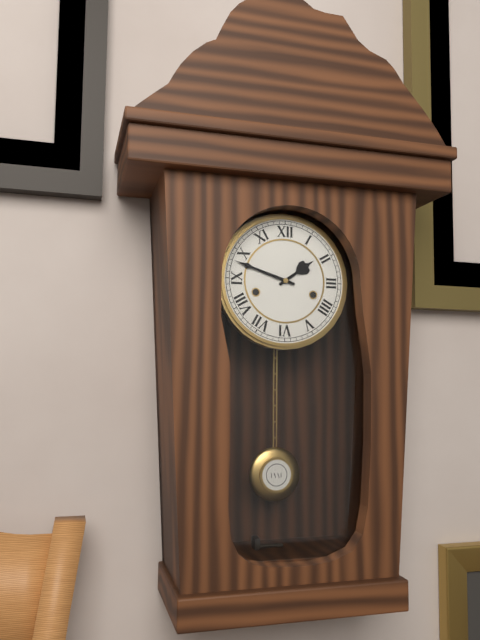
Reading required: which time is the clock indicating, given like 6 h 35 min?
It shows 1 h 48 min
